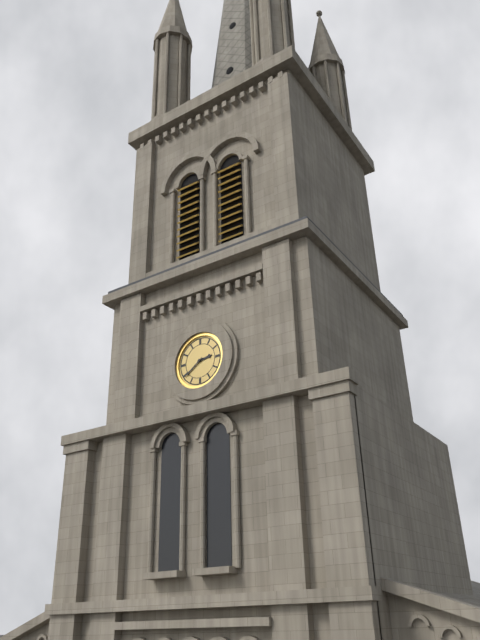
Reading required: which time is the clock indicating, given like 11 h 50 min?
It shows 2 h 39 min
